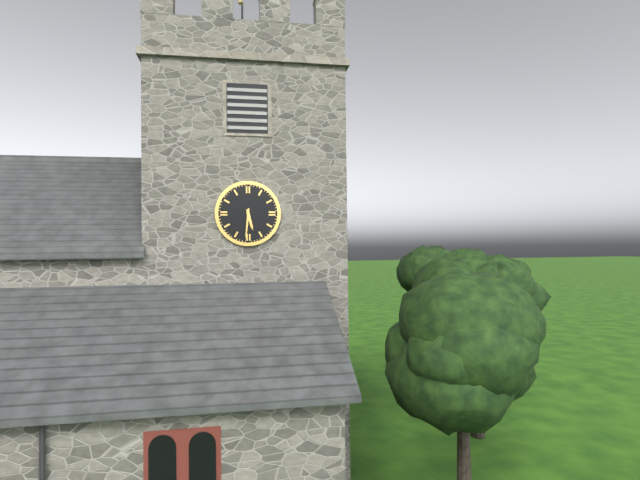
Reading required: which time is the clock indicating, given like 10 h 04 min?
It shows 5 h 31 min
